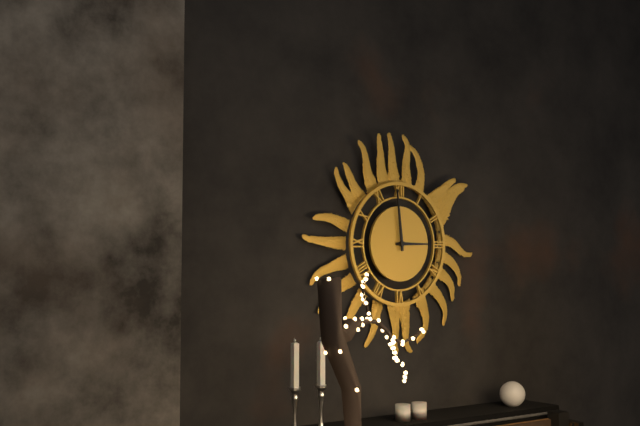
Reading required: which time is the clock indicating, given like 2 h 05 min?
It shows 2 h 59 min
